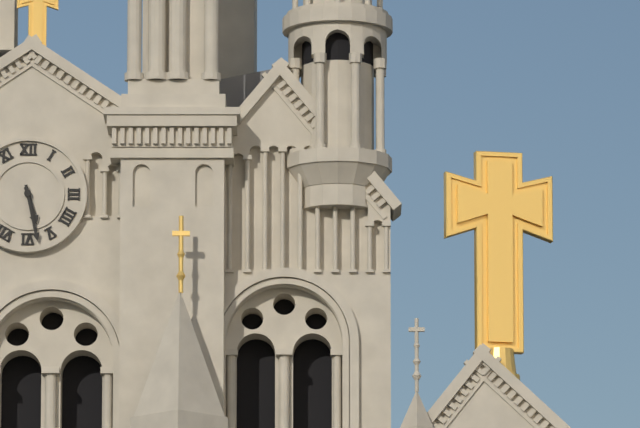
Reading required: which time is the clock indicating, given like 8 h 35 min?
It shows 5 h 28 min
